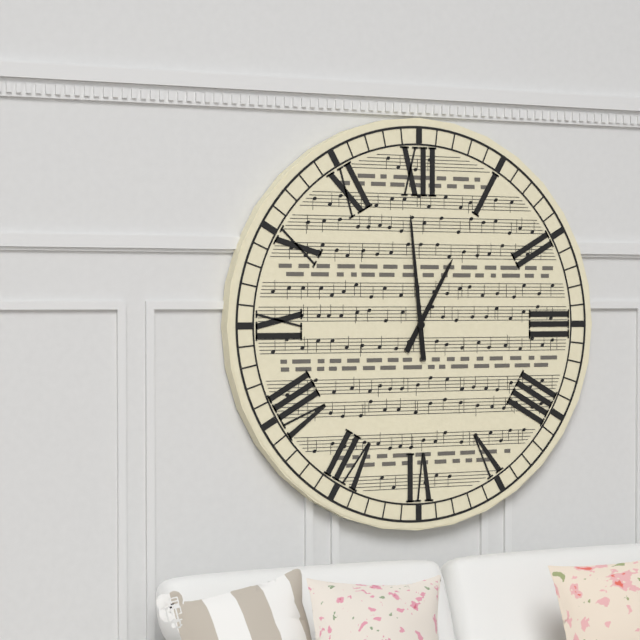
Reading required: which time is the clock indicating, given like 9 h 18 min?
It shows 12 h 59 min
